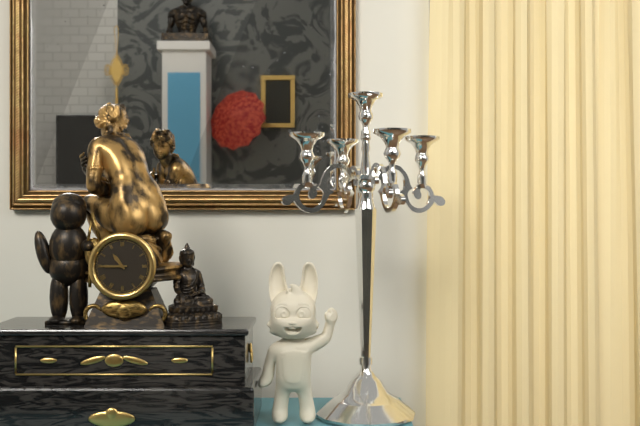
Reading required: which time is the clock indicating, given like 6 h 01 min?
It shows 10 h 45 min
